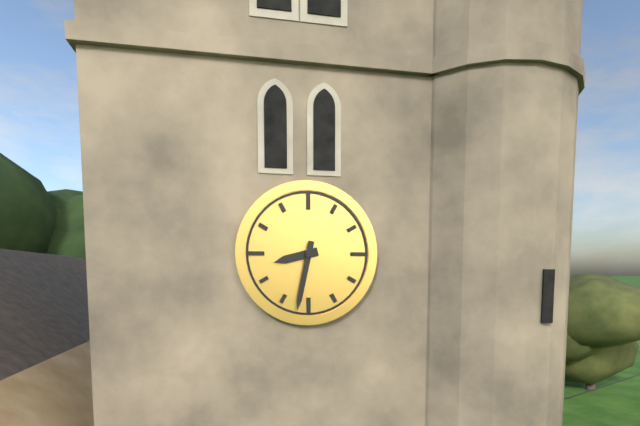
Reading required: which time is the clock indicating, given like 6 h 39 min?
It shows 8 h 32 min
